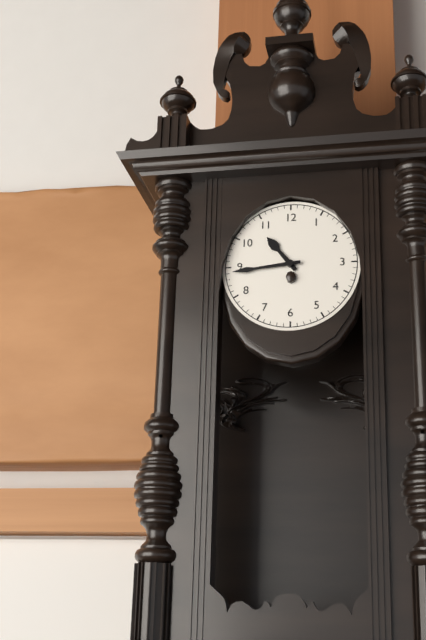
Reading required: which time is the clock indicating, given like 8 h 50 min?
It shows 10 h 44 min
